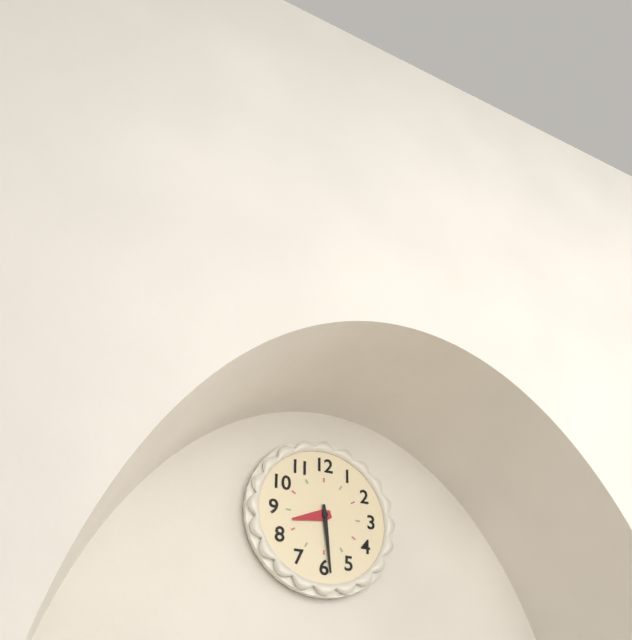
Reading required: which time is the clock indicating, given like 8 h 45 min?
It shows 8 h 29 min
